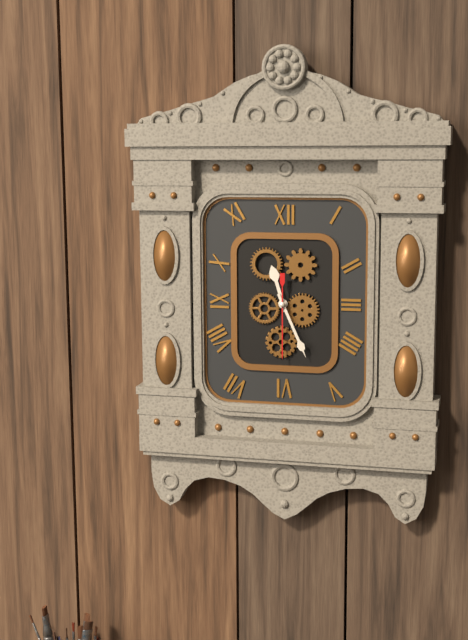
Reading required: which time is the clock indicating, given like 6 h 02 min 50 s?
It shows 11 h 26 min 30 s
